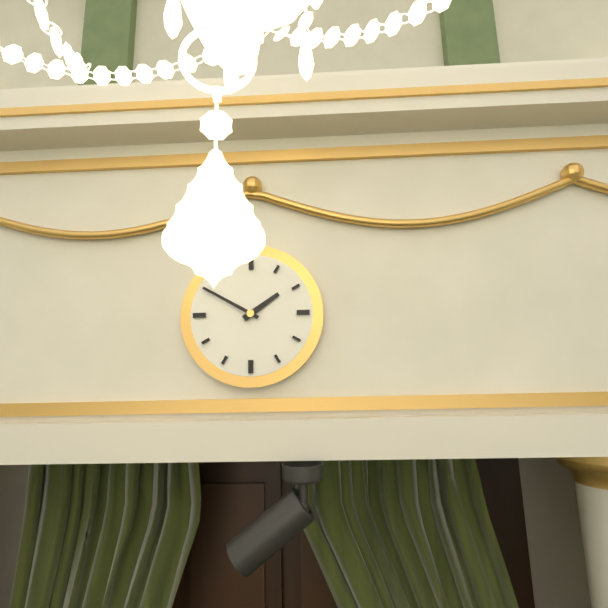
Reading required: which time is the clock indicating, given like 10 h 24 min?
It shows 1 h 50 min
